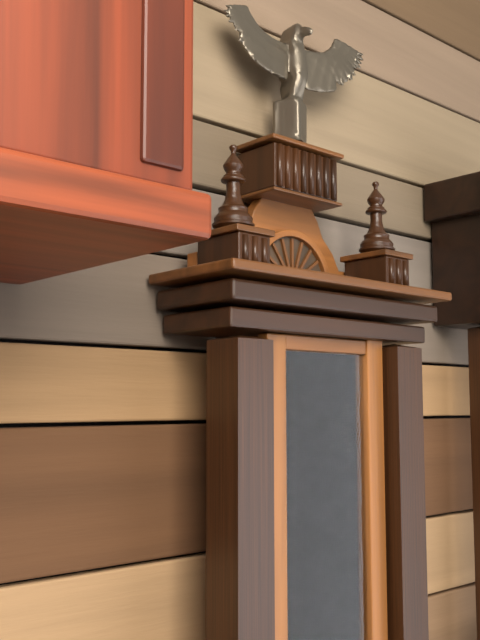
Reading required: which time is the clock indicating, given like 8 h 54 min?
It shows 2 h 11 min
